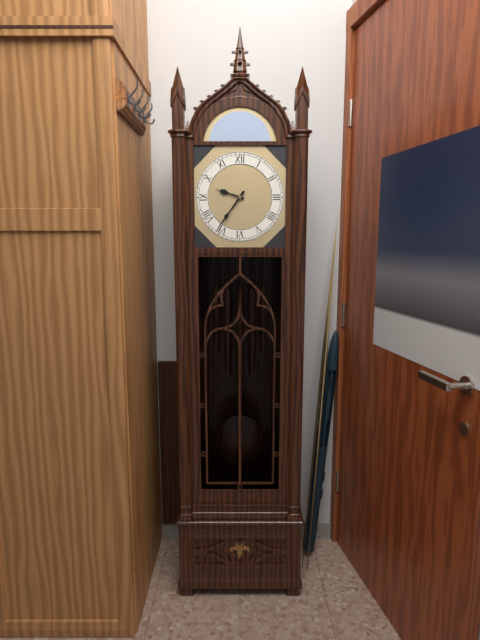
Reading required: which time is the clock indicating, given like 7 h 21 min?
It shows 9 h 36 min
